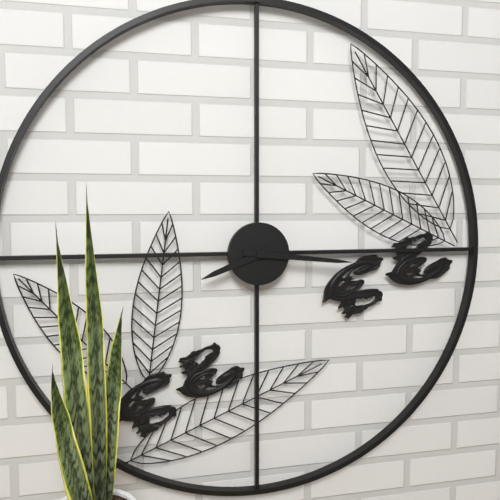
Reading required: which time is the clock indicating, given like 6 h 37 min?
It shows 8 h 16 min
